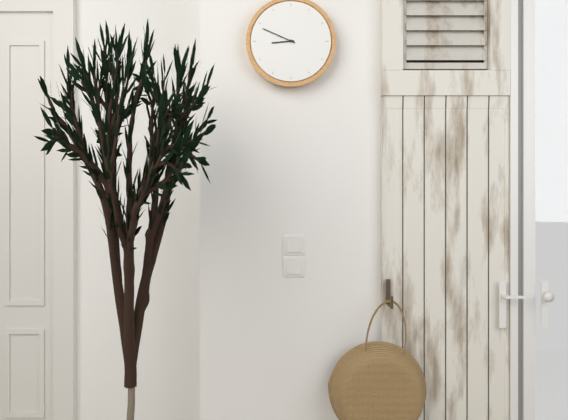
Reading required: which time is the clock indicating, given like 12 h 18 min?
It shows 8 h 49 min
